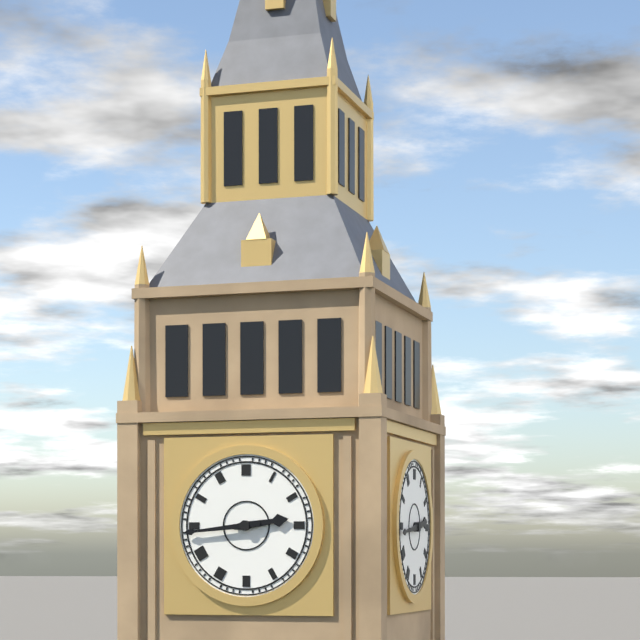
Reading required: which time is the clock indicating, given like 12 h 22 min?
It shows 2 h 44 min
